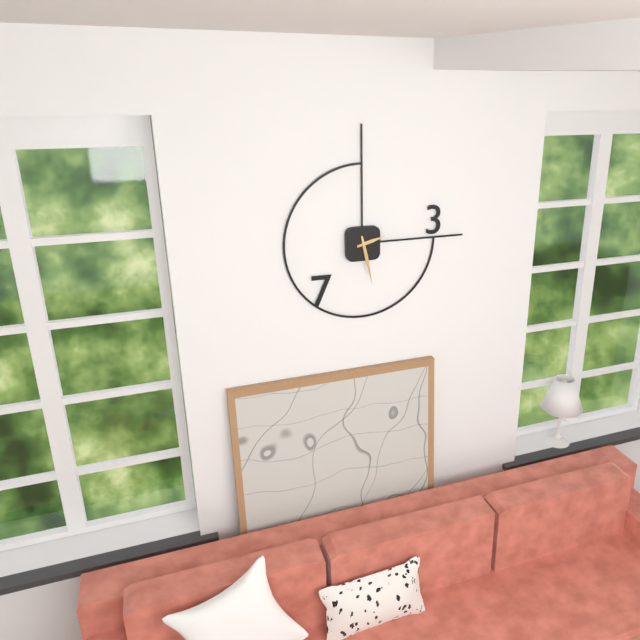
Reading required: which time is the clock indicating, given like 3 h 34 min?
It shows 2 h 28 min
